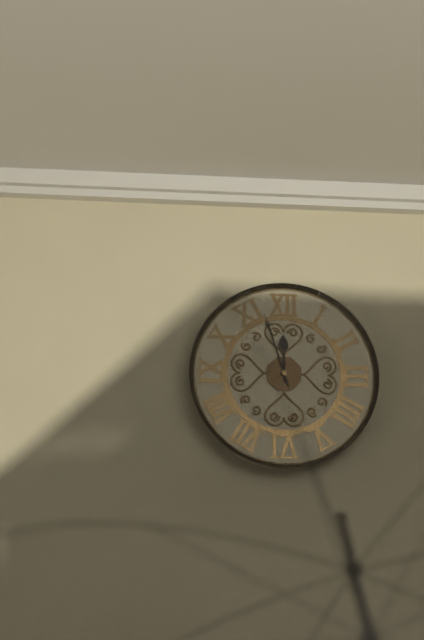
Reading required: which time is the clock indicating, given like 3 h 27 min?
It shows 11 h 57 min
